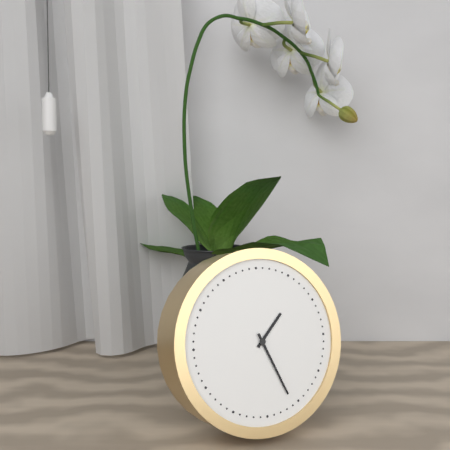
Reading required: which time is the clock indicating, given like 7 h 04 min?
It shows 1 h 26 min
